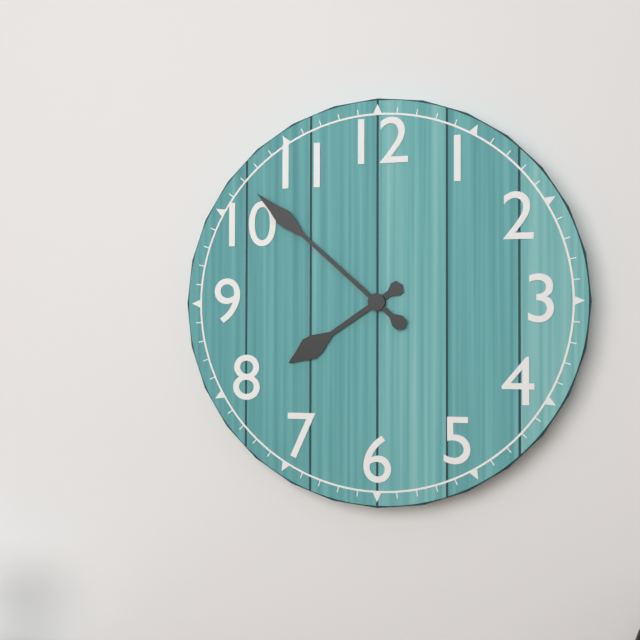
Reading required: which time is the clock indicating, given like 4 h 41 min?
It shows 7 h 52 min
